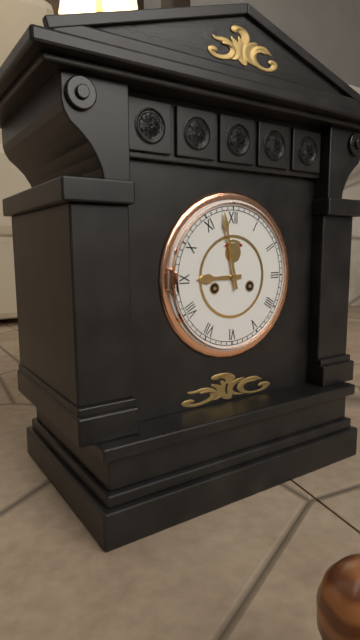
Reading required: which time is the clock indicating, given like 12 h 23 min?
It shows 8 h 58 min
